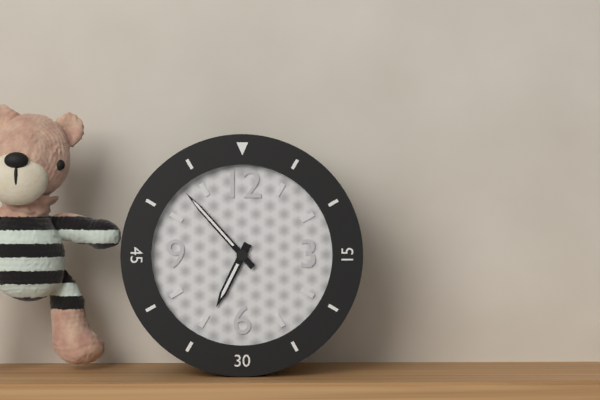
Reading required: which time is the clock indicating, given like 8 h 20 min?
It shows 6 h 53 min
